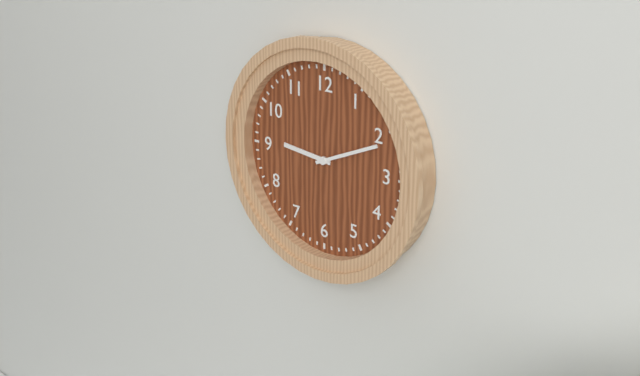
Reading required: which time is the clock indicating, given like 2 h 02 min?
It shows 9 h 11 min
